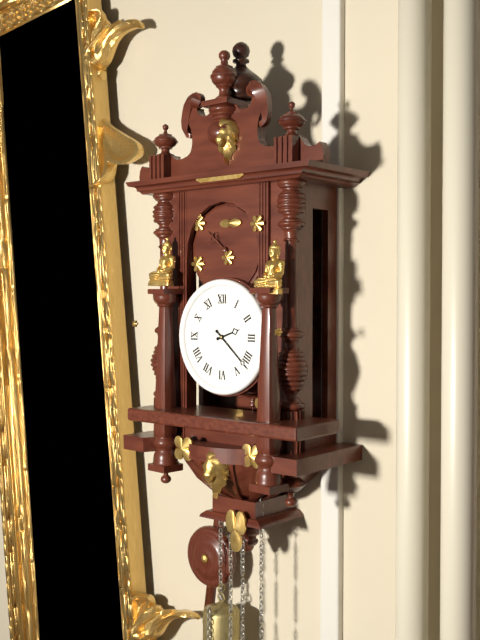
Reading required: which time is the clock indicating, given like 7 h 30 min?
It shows 2 h 22 min
